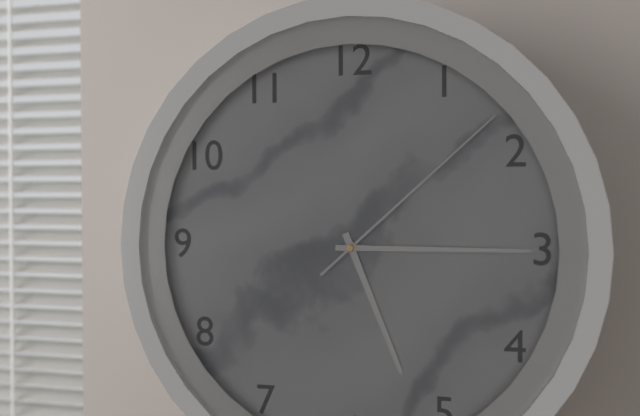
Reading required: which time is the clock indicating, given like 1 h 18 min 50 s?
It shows 5 h 15 min 08 s
